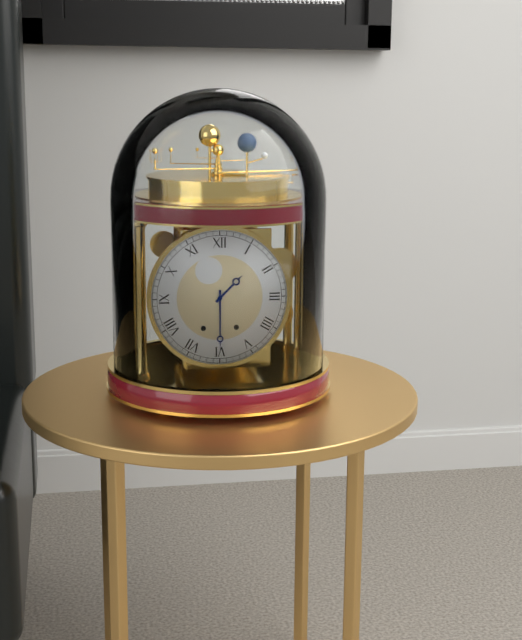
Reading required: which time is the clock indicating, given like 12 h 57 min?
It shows 1 h 30 min
